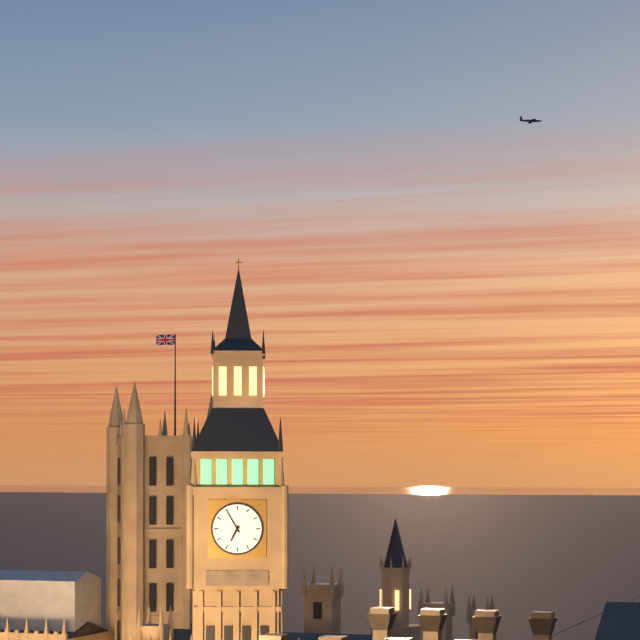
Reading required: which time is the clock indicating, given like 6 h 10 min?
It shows 6 h 55 min
